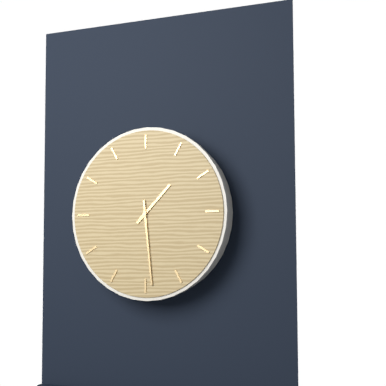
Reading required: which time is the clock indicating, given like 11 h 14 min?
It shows 1 h 29 min
